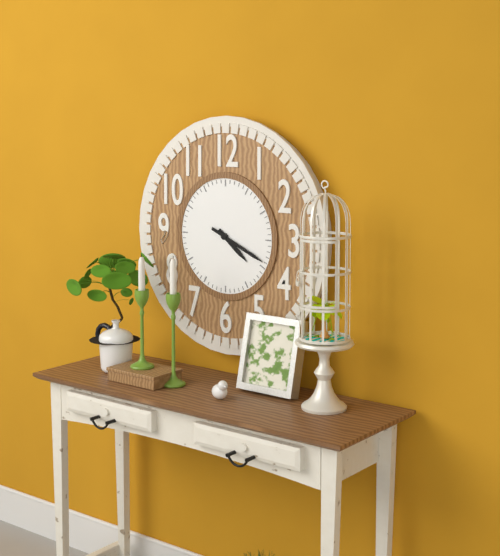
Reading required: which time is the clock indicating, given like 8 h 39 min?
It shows 4 h 19 min
